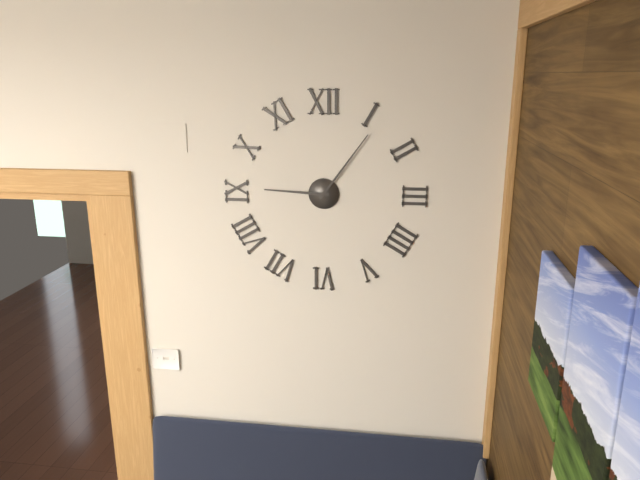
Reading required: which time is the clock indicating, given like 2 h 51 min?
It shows 9 h 06 min
